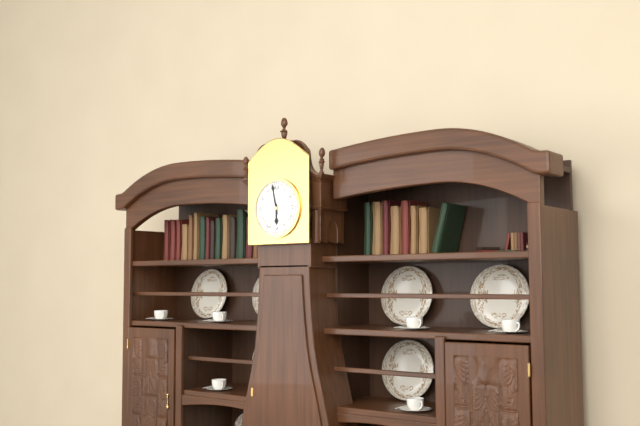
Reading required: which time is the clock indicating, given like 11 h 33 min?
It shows 5 h 58 min
